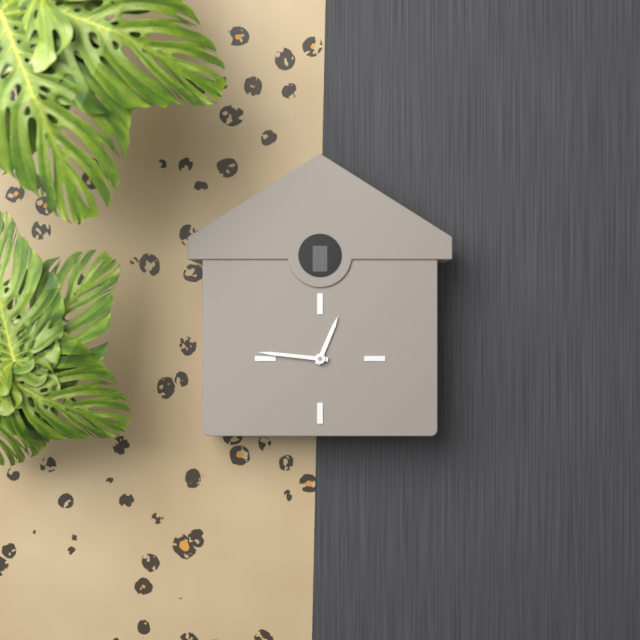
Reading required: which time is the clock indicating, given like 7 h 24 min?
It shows 12 h 46 min
